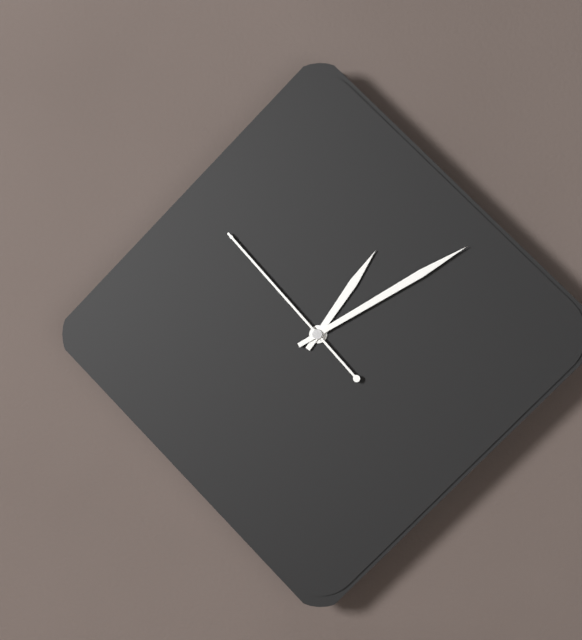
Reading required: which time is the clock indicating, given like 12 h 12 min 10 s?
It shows 1 h 10 min 53 s
